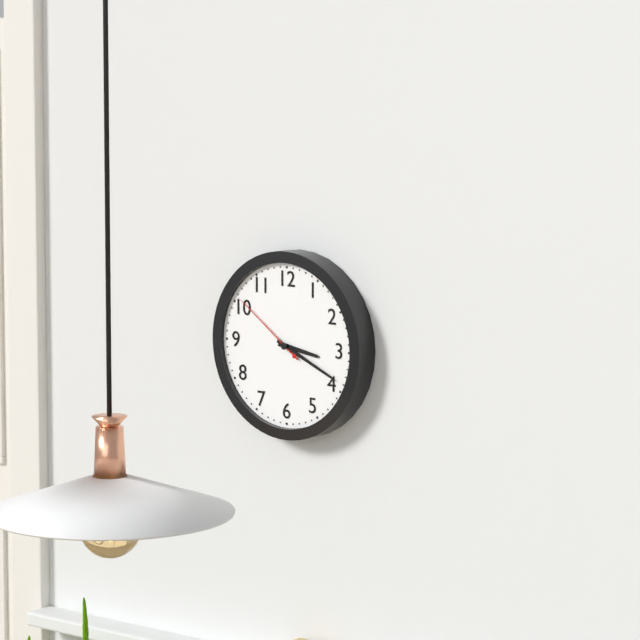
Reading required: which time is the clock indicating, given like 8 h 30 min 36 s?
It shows 3 h 19 min 51 s
